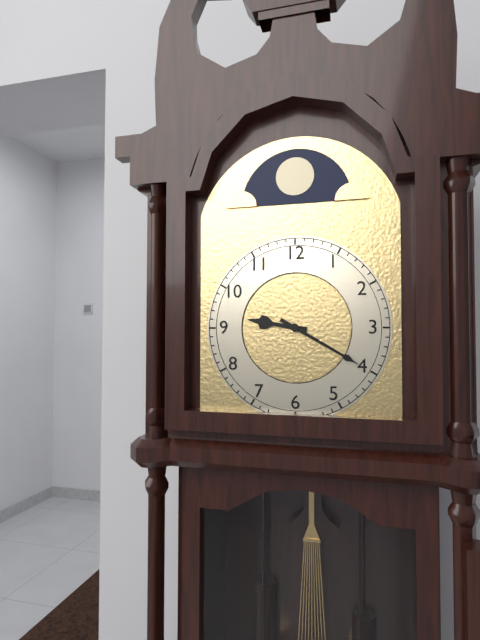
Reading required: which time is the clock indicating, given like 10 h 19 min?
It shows 9 h 20 min
